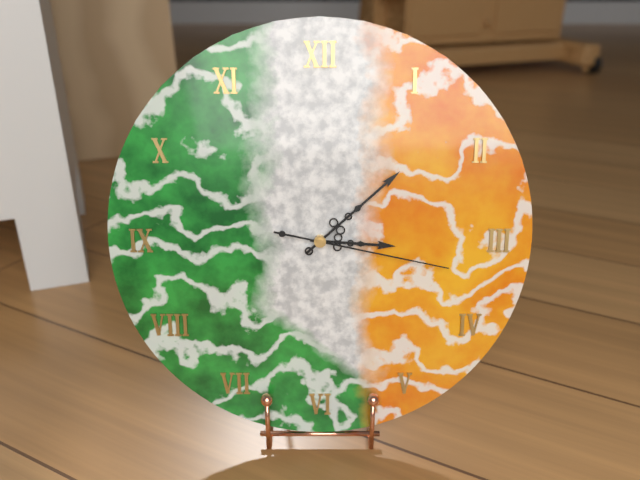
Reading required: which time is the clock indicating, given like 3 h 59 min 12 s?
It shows 3 h 08 min 17 s
